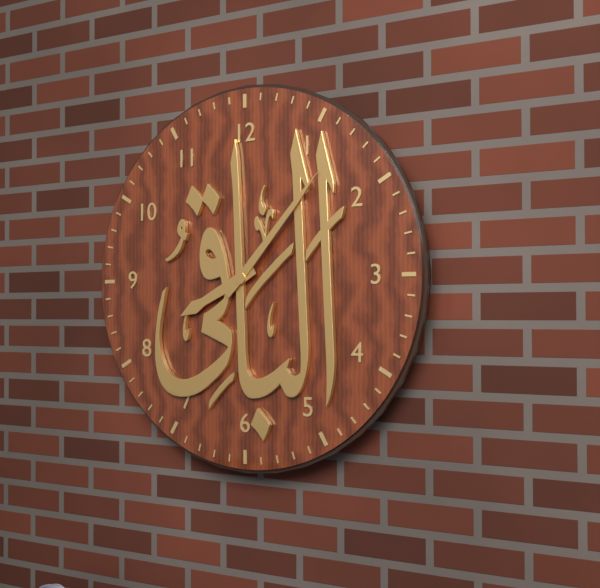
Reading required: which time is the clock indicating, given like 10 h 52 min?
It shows 8 h 07 min
